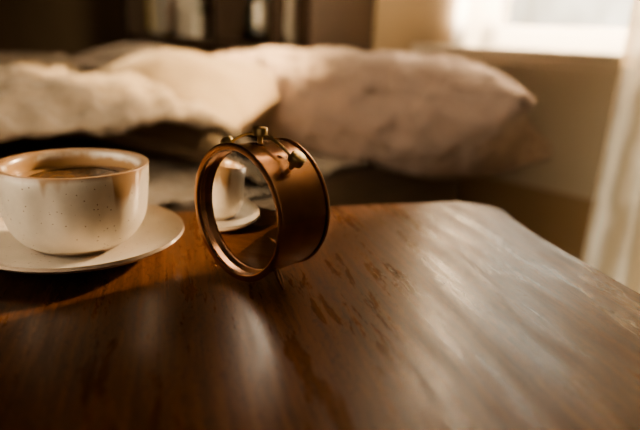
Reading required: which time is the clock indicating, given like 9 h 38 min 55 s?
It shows 9 h 10 min 18 s
